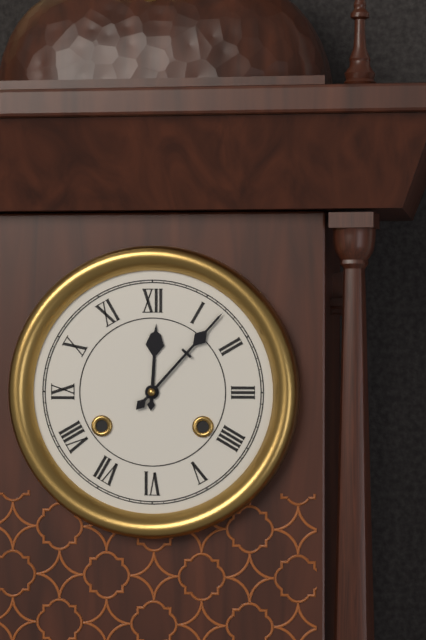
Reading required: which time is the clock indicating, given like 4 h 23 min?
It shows 12 h 07 min
